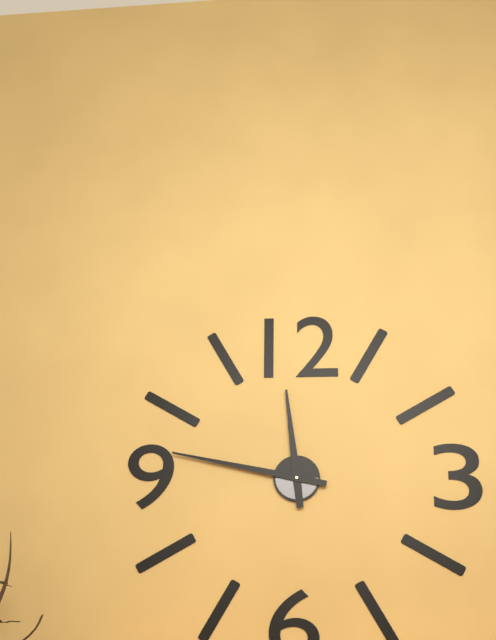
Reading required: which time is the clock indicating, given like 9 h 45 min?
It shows 11 h 47 min
